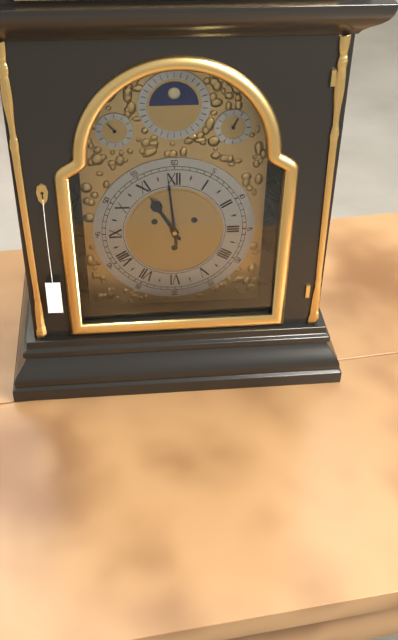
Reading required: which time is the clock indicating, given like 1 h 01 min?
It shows 10 h 59 min
